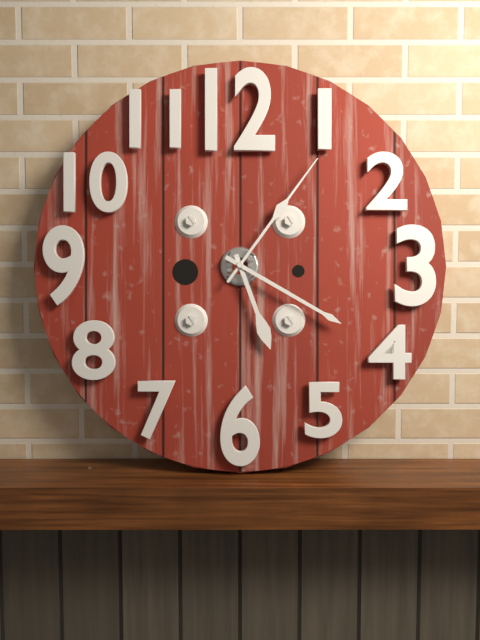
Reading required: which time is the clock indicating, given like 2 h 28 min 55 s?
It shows 5 h 20 min 06 s
